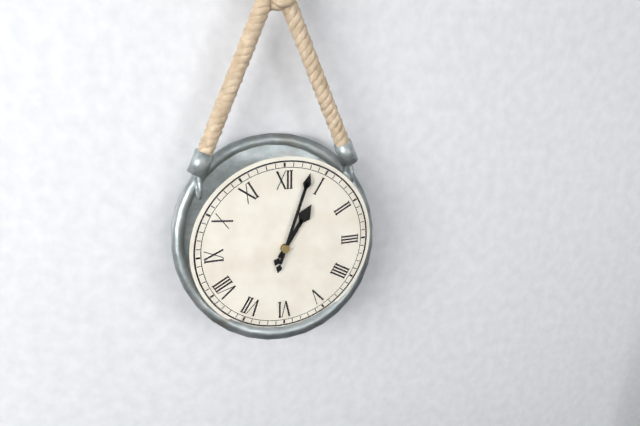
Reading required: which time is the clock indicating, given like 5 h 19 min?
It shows 1 h 03 min
